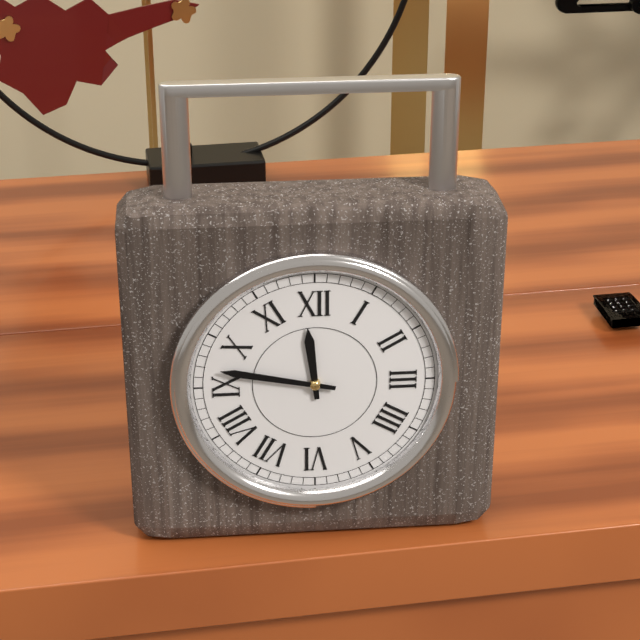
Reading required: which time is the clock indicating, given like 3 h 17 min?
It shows 11 h 47 min
